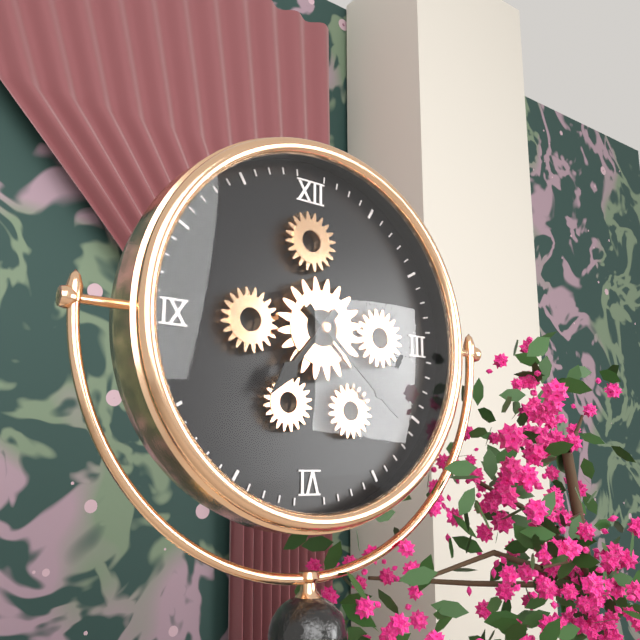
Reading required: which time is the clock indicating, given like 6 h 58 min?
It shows 7 h 22 min
